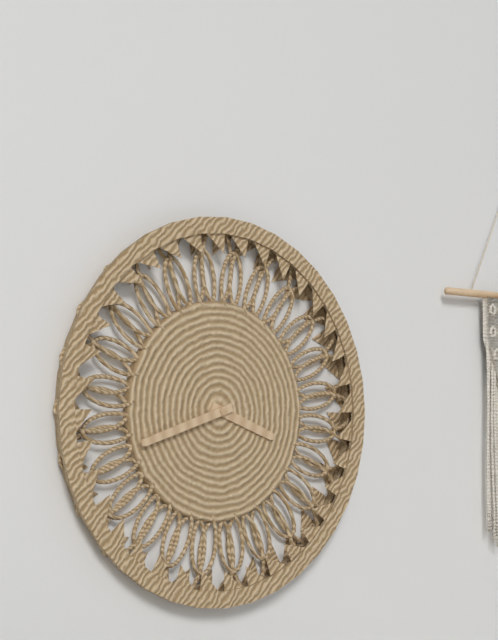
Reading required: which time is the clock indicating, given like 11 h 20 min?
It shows 3 h 42 min
